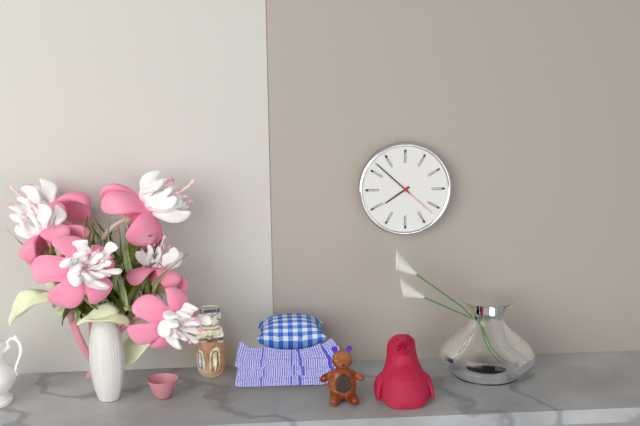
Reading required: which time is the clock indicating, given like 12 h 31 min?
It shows 7 h 52 min
